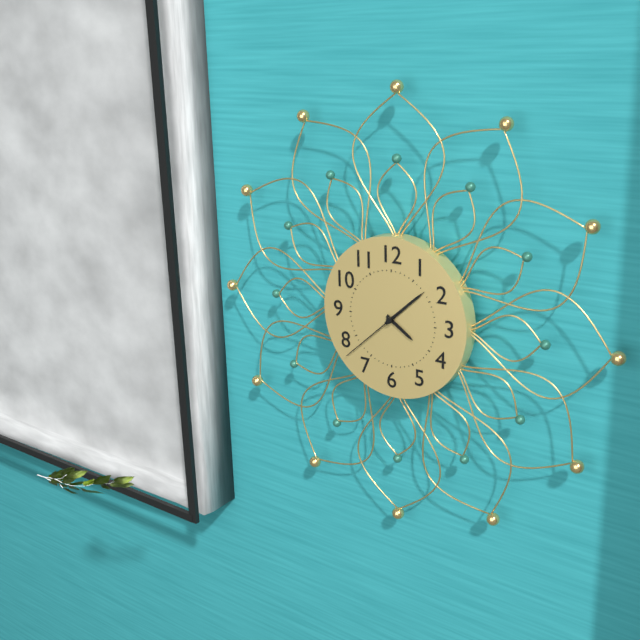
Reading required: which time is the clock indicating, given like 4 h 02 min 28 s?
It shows 4 h 08 min 38 s
